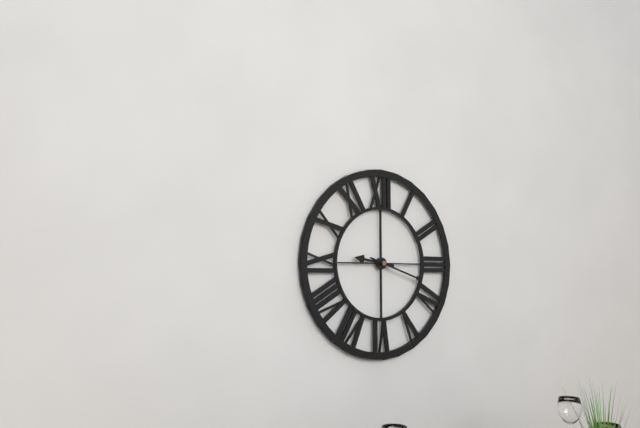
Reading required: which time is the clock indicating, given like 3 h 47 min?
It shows 9 h 18 min
